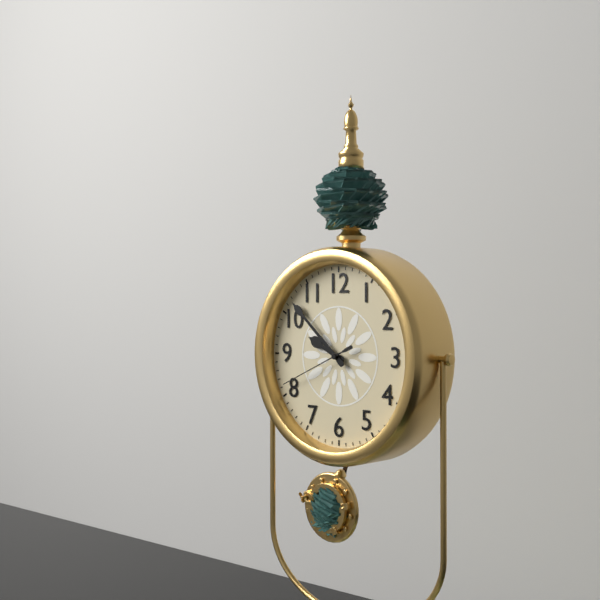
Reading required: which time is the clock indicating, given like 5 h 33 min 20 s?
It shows 9 h 52 min 41 s
